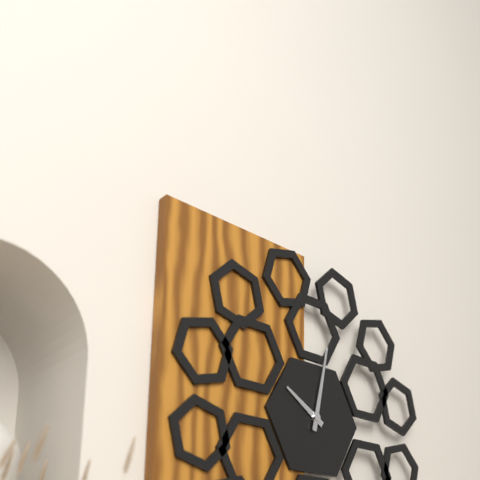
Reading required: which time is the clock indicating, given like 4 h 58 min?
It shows 10 h 02 min
